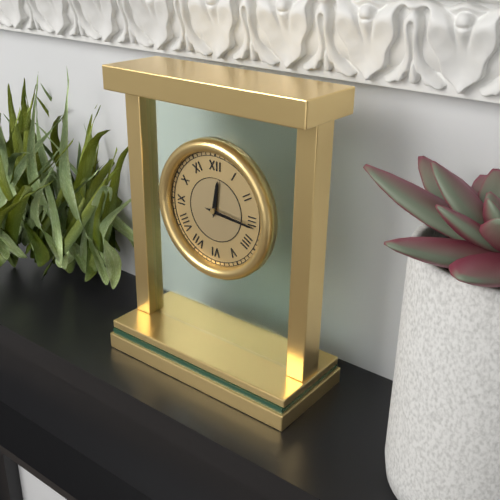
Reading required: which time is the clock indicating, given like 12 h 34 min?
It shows 12 h 16 min
